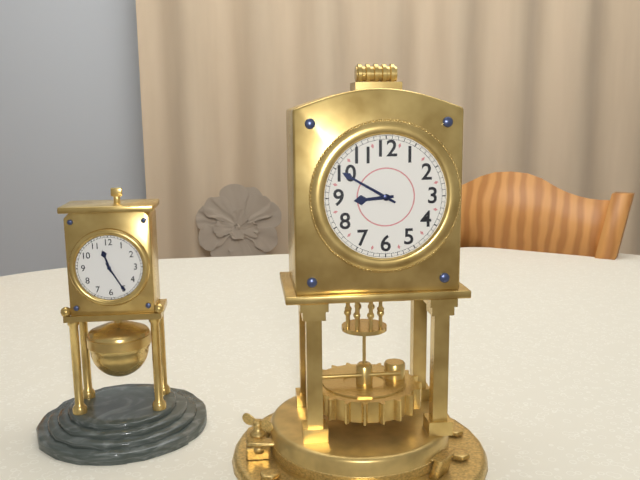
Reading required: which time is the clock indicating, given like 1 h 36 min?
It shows 8 h 50 min
